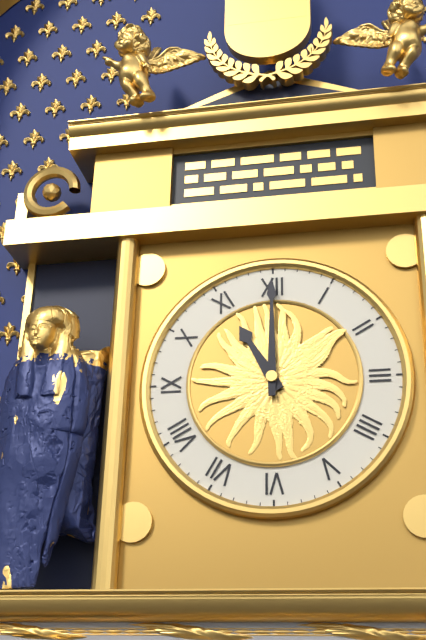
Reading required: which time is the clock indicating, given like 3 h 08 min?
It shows 11 h 00 min
